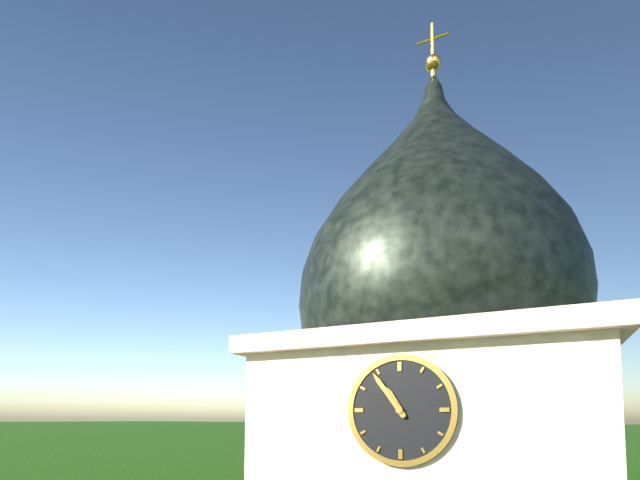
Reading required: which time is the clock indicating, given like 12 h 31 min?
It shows 10 h 54 min
